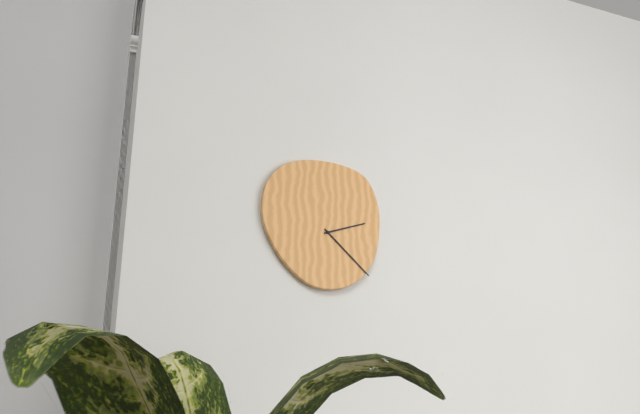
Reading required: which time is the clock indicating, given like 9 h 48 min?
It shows 2 h 22 min
